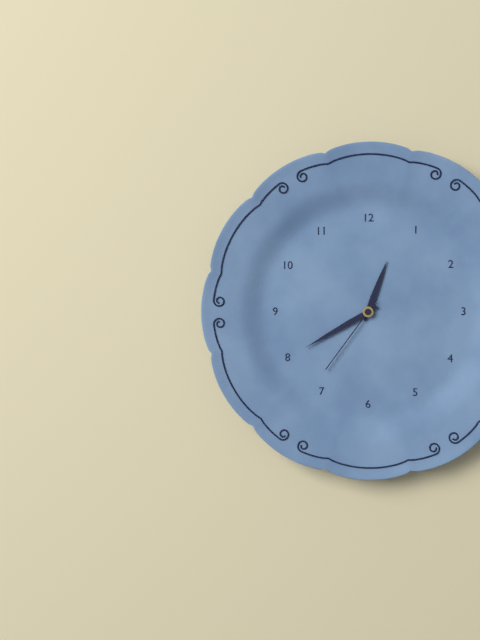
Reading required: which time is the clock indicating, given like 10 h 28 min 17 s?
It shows 12 h 40 min 36 s
